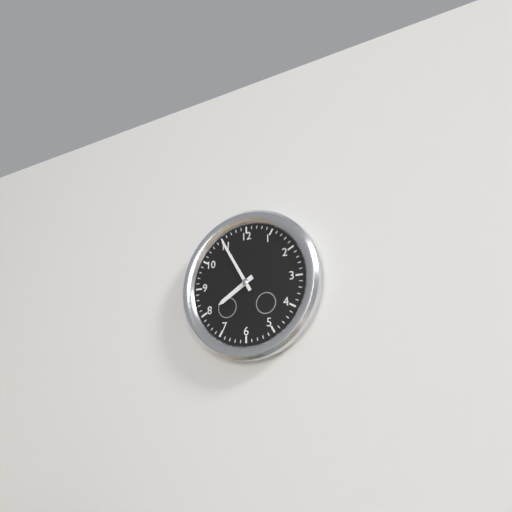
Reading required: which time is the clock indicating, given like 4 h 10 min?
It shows 7 h 55 min
